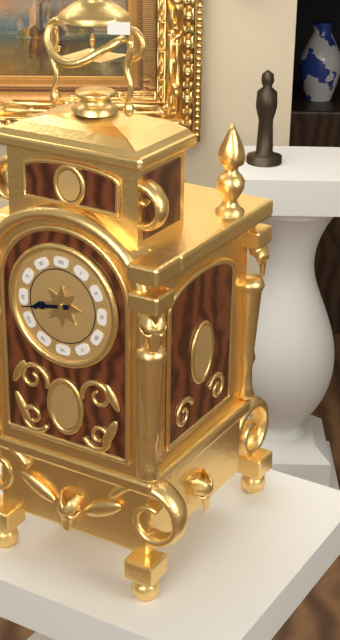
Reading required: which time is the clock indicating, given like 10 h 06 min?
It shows 8 h 43 min
